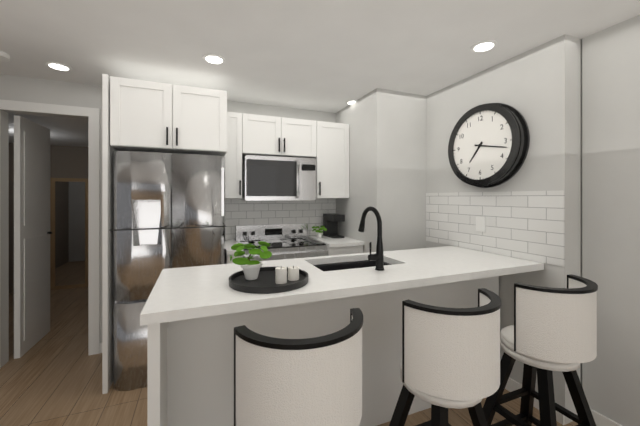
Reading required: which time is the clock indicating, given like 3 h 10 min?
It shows 7 h 17 min
